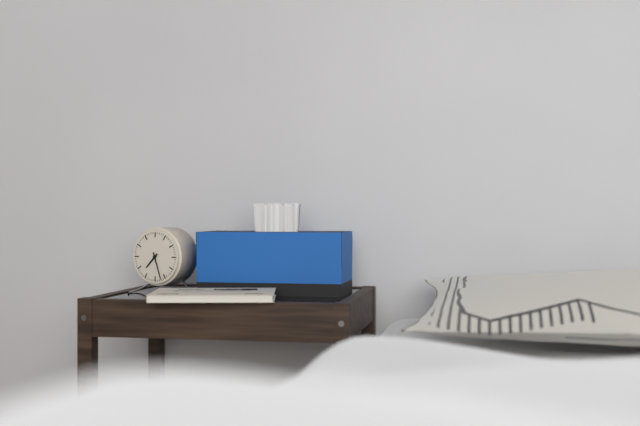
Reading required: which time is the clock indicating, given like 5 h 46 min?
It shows 7 h 27 min
